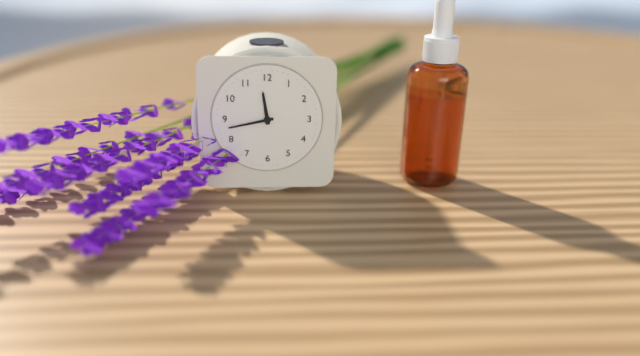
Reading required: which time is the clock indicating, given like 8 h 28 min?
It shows 11 h 43 min
